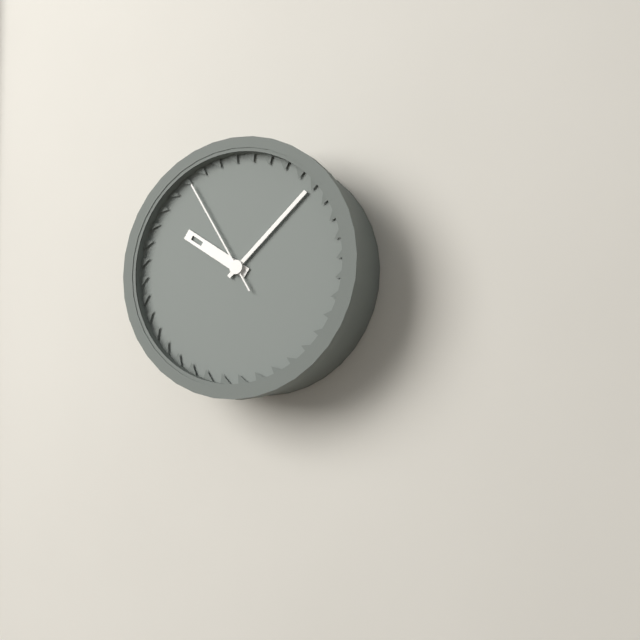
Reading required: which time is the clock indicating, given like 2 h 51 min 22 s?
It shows 10 h 08 min 55 s
